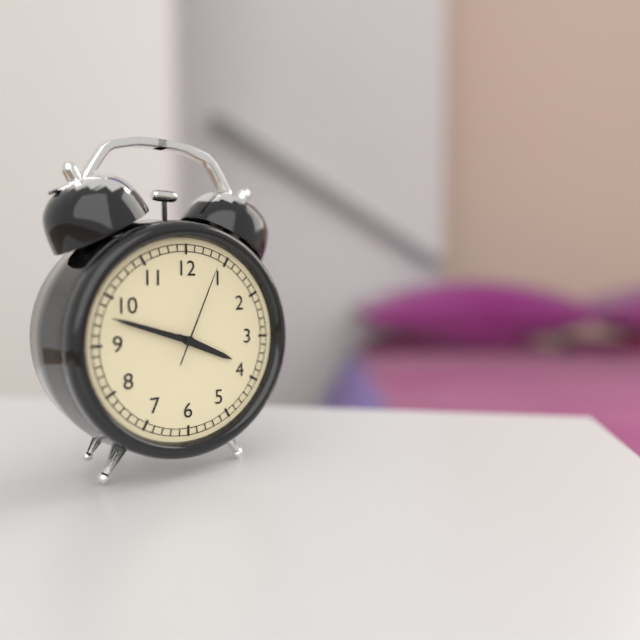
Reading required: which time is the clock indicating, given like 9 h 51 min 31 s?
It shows 3 h 48 min 04 s
